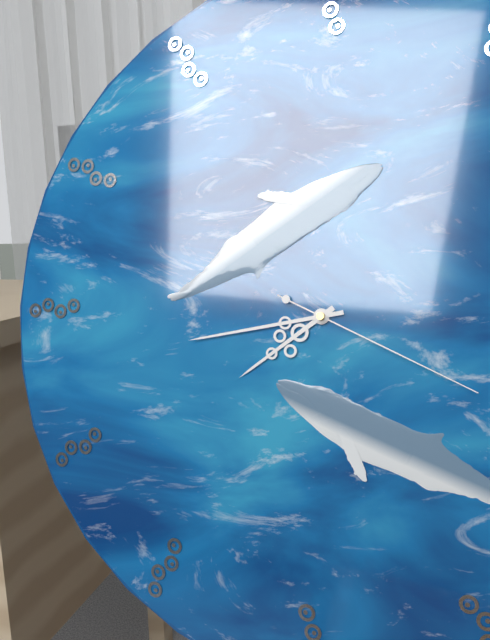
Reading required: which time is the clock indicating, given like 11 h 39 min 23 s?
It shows 7 h 43 min 19 s
